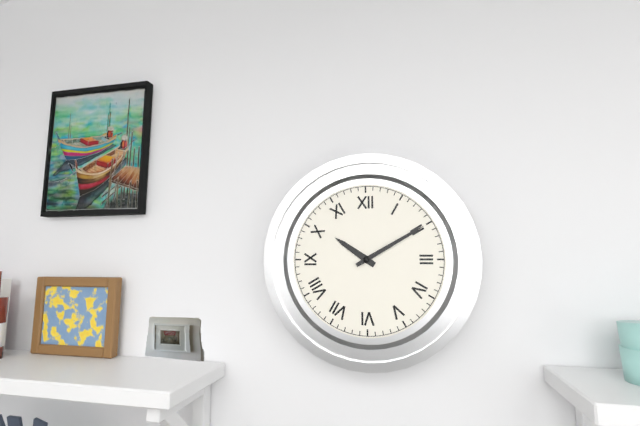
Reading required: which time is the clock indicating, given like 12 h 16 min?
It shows 10 h 10 min
